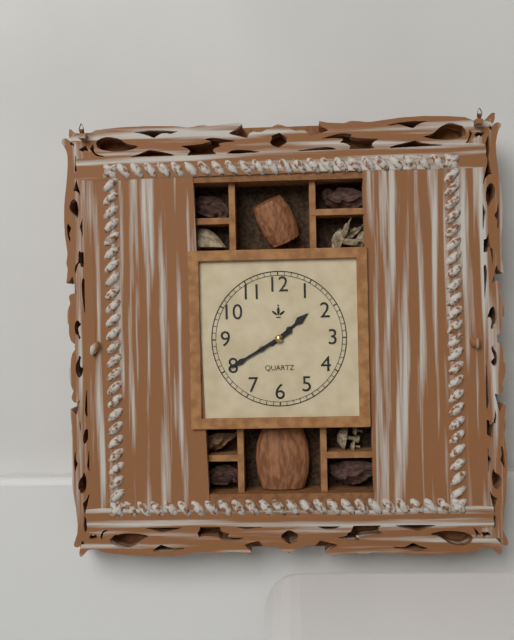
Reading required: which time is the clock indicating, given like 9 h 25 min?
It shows 1 h 40 min
